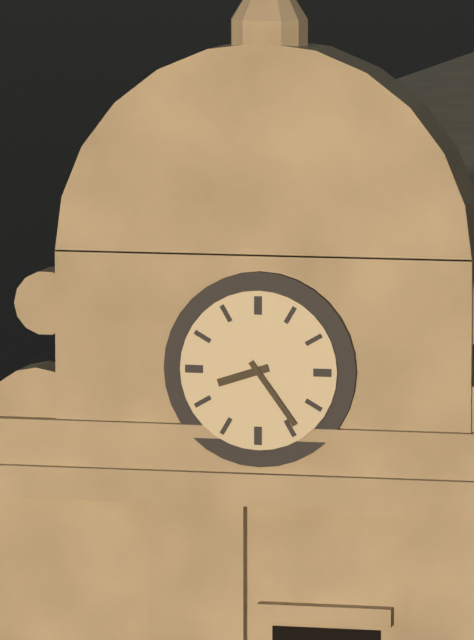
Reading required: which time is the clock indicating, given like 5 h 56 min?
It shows 8 h 24 min
